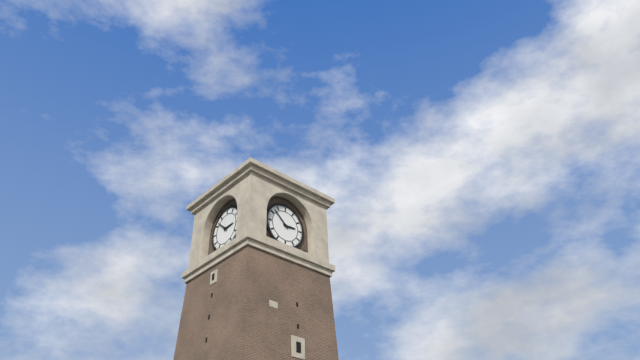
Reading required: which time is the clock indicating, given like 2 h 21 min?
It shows 2 h 52 min
